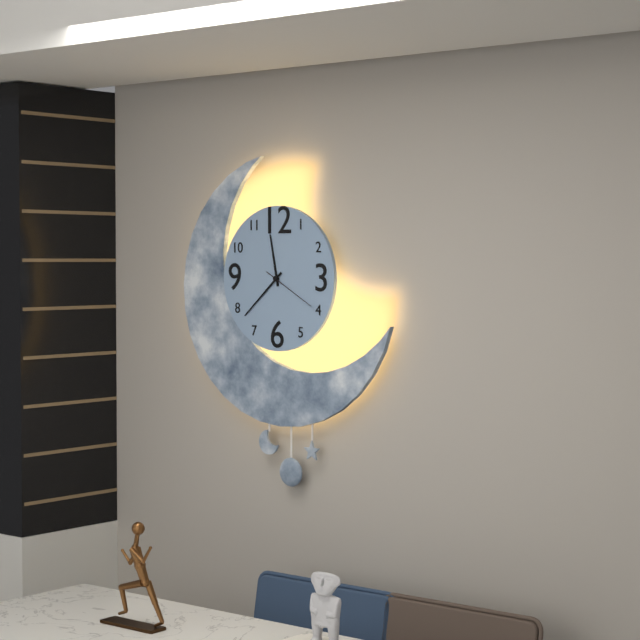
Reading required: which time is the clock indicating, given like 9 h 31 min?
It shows 11 h 38 min
